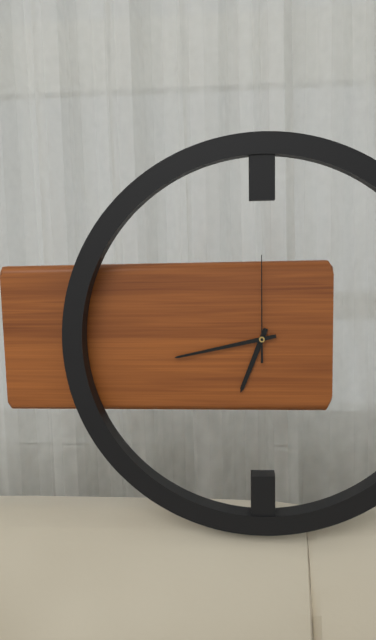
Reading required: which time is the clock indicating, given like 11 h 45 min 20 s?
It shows 6 h 43 min 00 s
